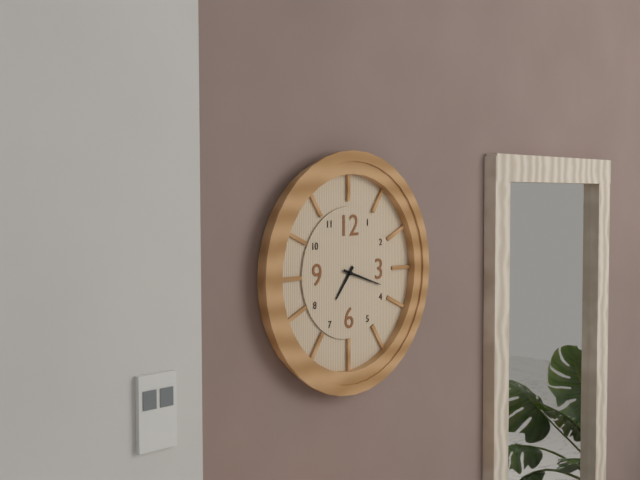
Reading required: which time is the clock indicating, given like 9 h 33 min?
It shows 7 h 18 min
